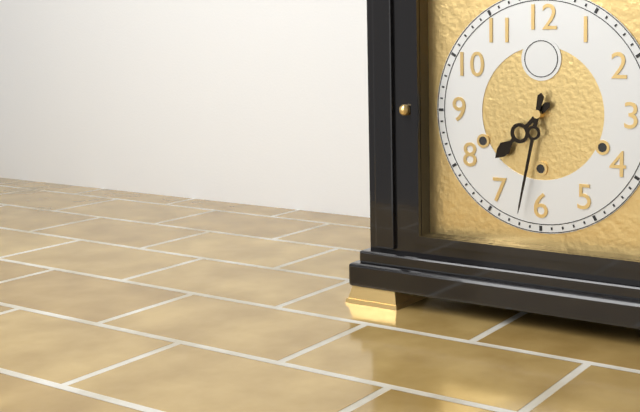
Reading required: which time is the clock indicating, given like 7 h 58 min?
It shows 7 h 32 min
